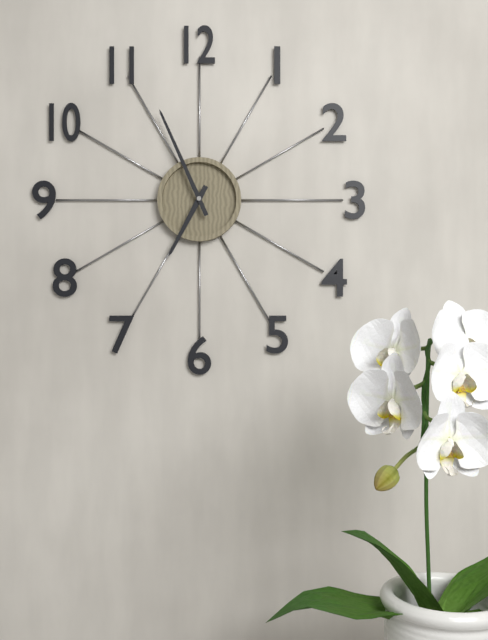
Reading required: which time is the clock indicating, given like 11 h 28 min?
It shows 6 h 56 min
